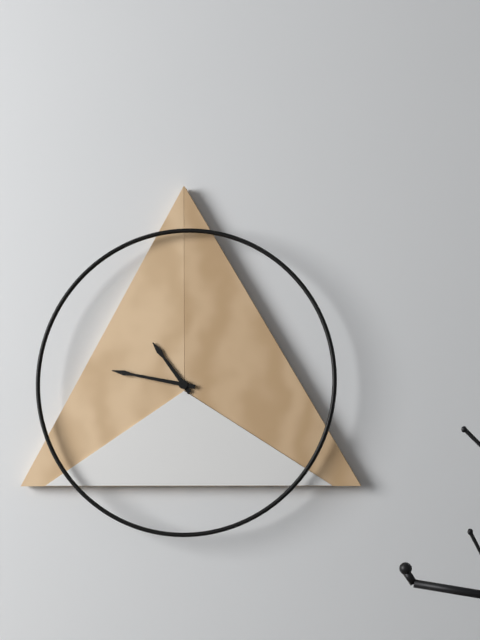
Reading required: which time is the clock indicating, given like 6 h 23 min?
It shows 10 h 47 min
